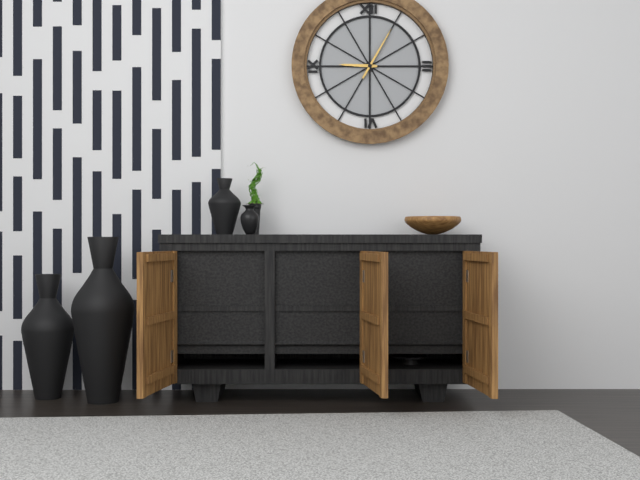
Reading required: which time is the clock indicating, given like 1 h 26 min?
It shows 9 h 05 min
